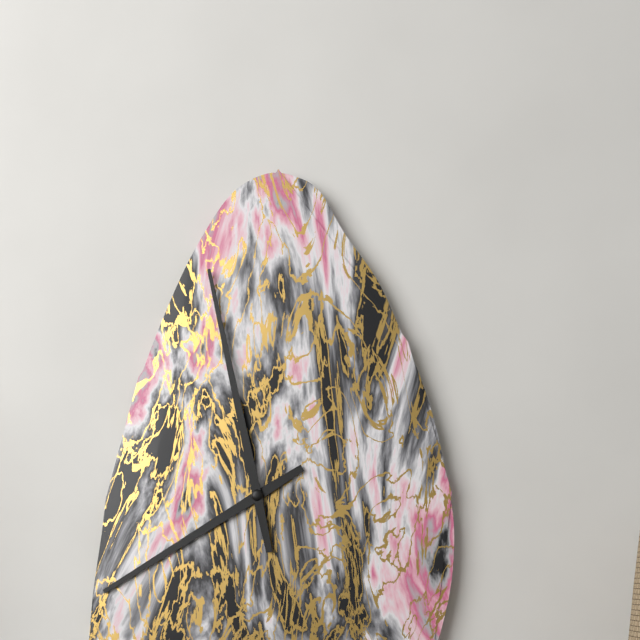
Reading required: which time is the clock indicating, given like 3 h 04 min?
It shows 7 h 58 min
